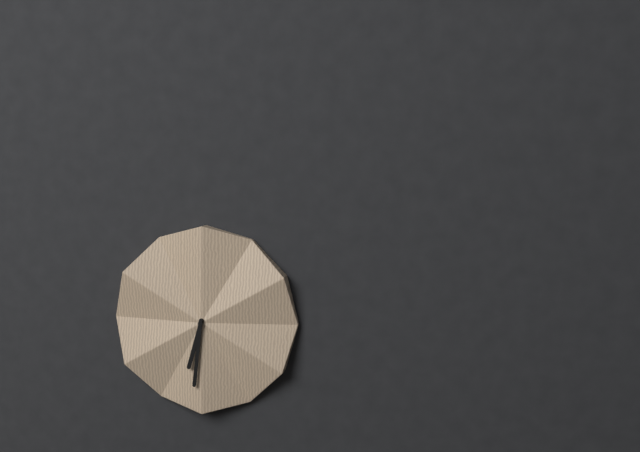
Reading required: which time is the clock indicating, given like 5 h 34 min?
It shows 6 h 31 min
